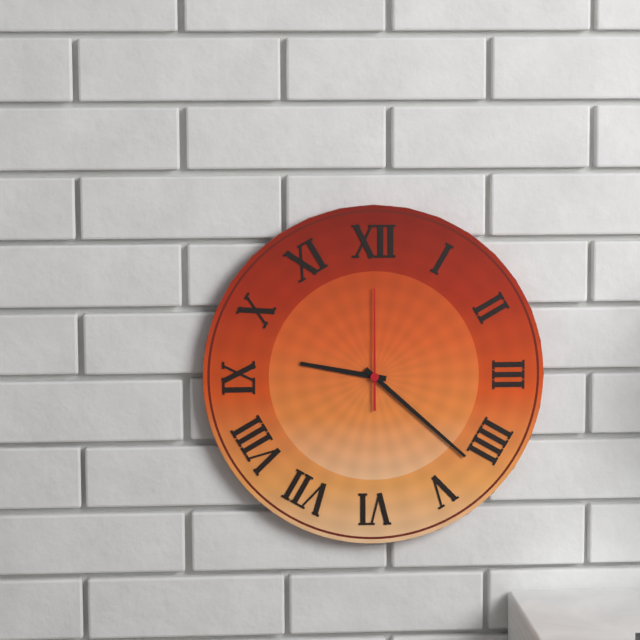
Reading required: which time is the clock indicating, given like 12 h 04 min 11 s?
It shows 9 h 22 min 00 s
